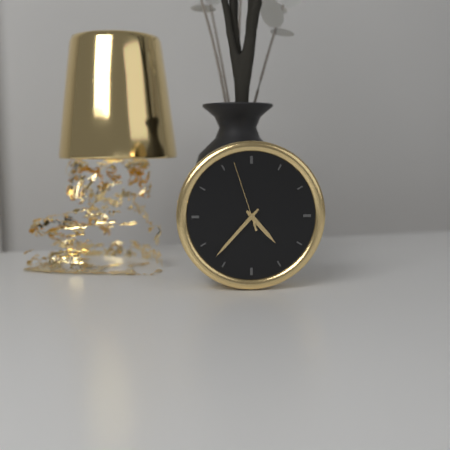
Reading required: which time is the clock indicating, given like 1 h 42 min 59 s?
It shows 4 h 37 min 57 s
